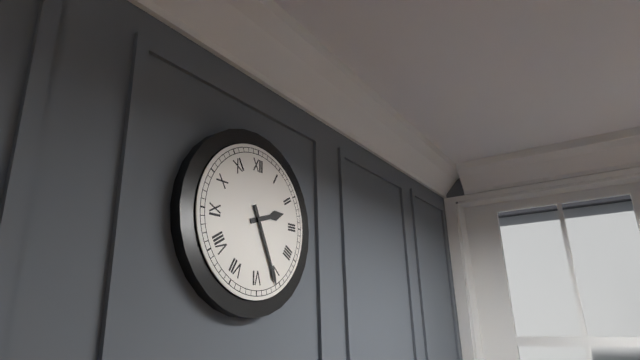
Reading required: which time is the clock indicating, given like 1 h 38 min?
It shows 2 h 26 min
